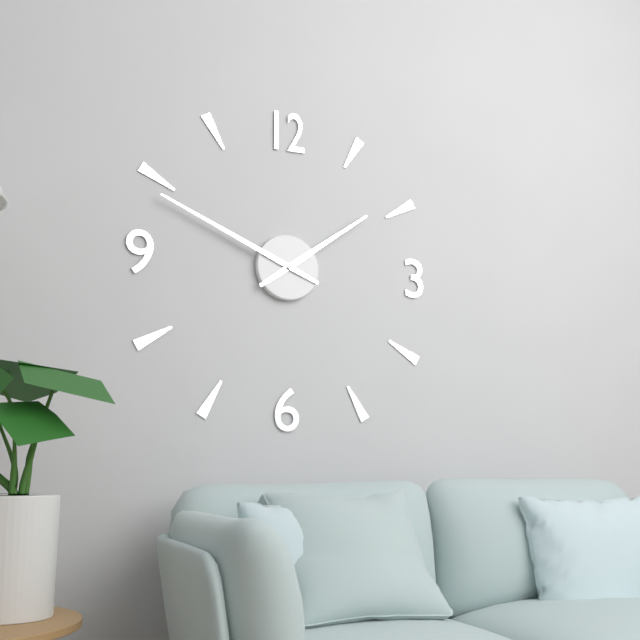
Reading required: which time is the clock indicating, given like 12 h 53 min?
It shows 1 h 49 min
